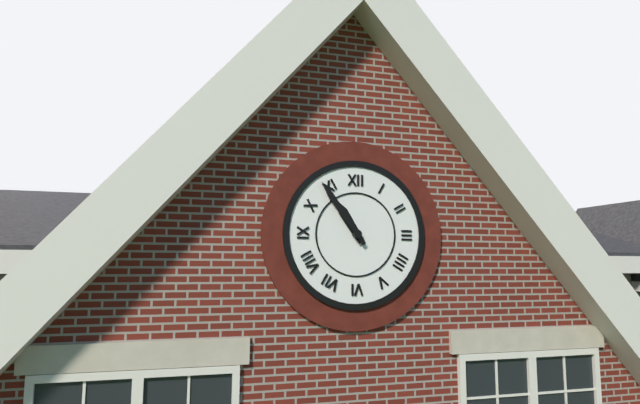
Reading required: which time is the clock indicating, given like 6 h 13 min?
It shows 10 h 54 min
